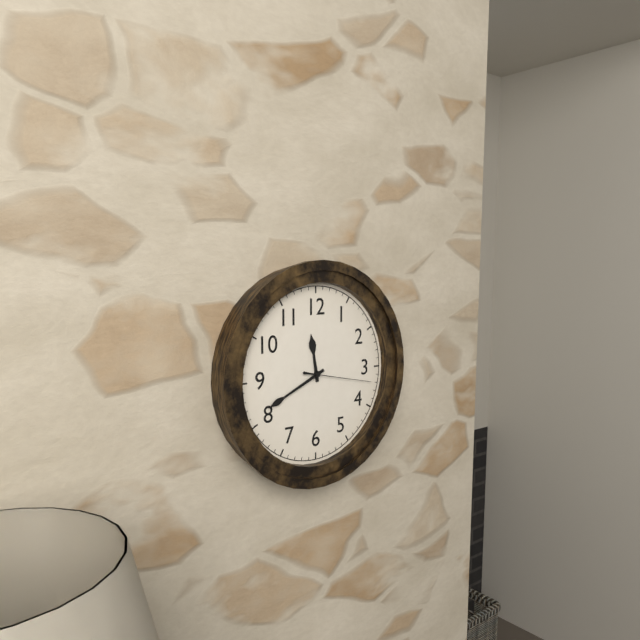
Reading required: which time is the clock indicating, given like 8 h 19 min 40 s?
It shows 11 h 41 min 17 s
